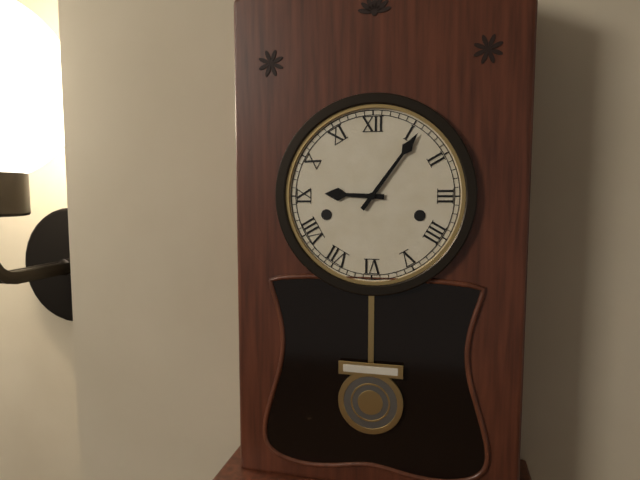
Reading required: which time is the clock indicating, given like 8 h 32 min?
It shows 9 h 06 min
